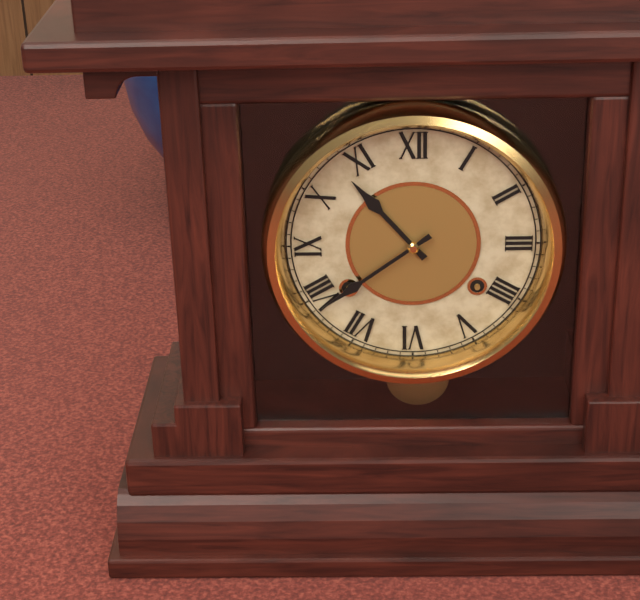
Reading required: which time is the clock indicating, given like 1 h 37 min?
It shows 10 h 39 min
